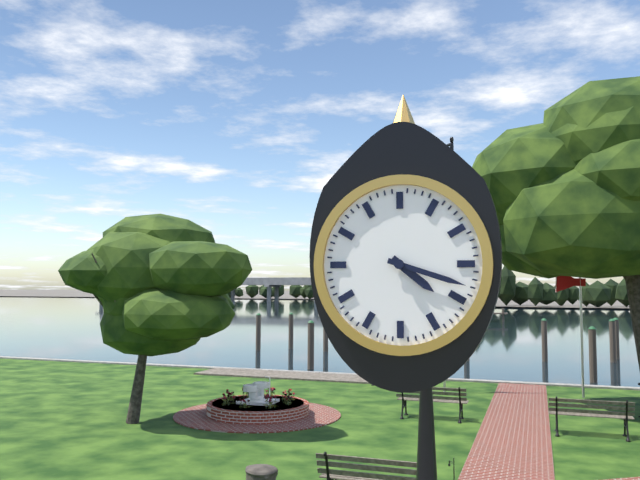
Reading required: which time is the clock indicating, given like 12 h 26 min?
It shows 4 h 18 min
